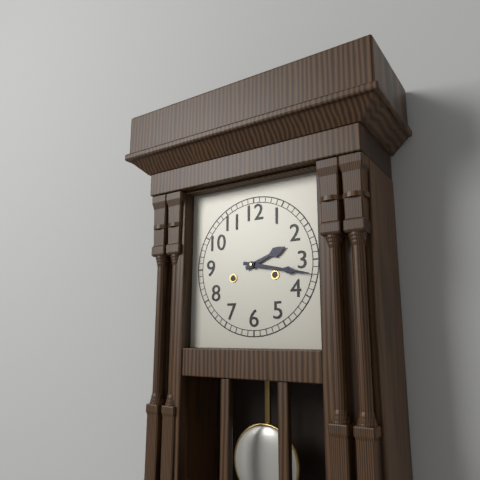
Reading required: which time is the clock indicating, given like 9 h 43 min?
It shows 2 h 17 min
